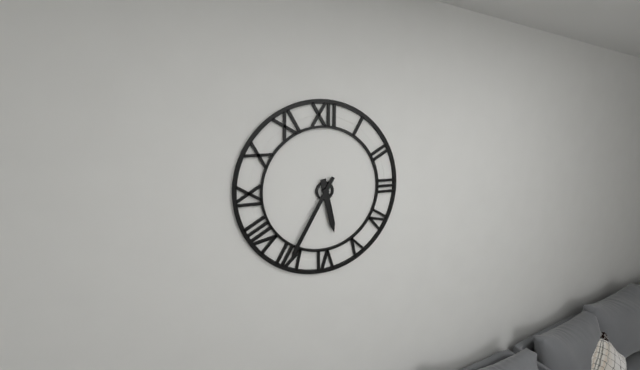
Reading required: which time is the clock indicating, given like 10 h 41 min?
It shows 5 h 35 min
